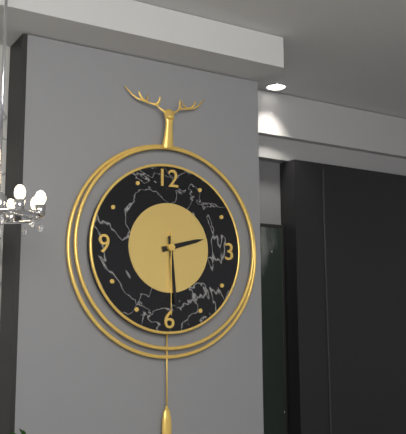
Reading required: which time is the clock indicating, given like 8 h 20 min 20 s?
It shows 2 h 29 min 30 s
